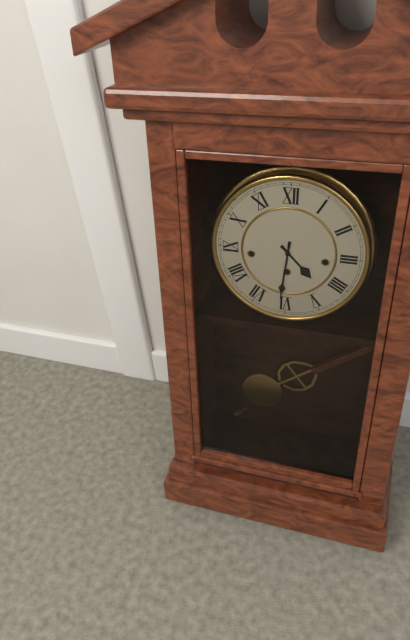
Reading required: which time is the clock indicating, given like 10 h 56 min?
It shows 4 h 31 min
